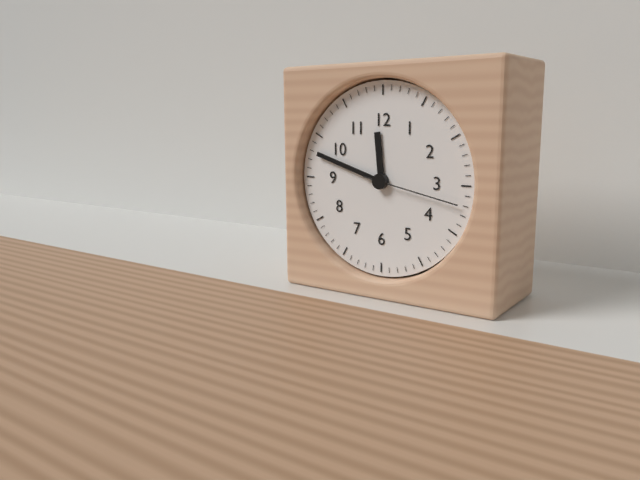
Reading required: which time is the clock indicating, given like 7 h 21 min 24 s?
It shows 11 h 48 min 17 s
